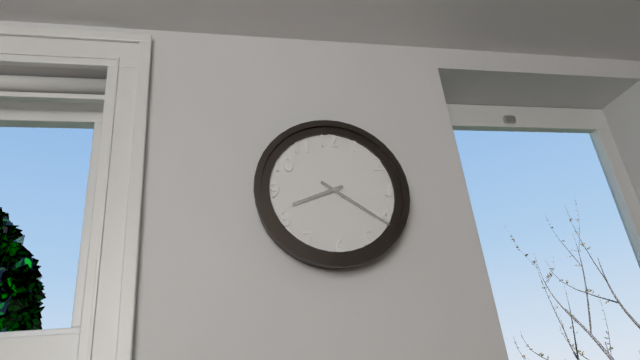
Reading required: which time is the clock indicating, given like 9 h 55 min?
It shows 8 h 21 min
